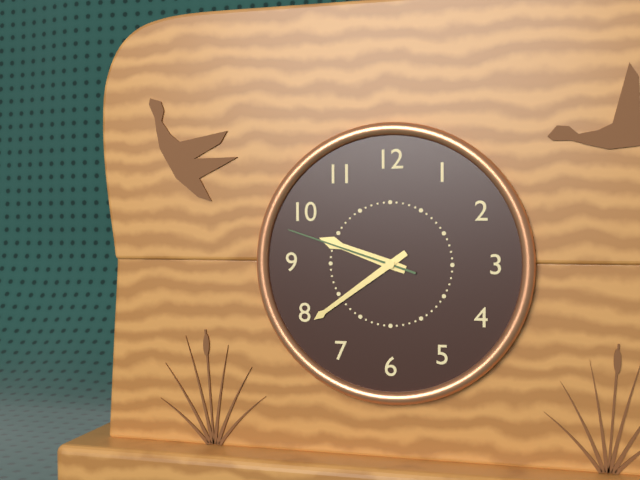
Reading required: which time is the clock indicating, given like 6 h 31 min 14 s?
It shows 9 h 39 min 48 s
